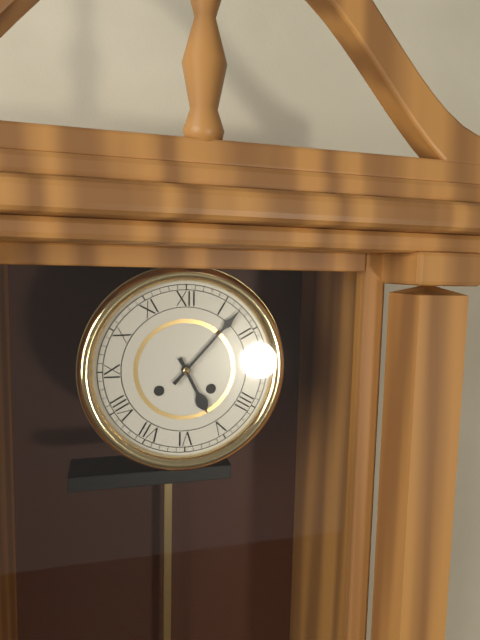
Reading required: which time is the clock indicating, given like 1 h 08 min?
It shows 5 h 07 min
